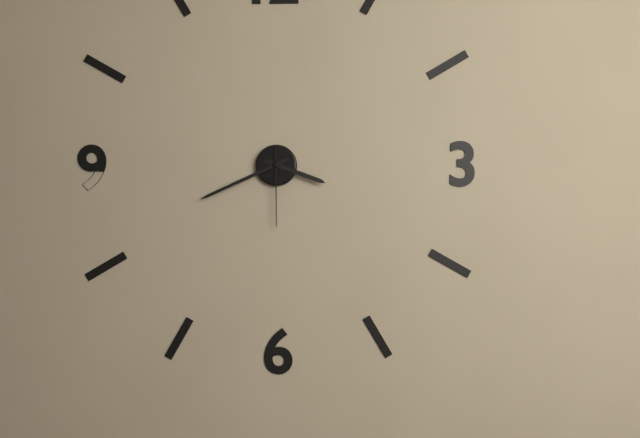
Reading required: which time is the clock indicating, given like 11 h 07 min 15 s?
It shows 3 h 41 min 30 s
